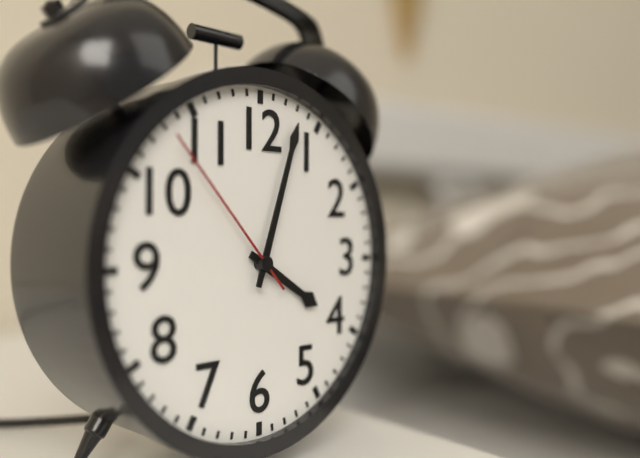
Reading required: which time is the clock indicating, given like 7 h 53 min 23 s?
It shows 4 h 03 min 53 s
